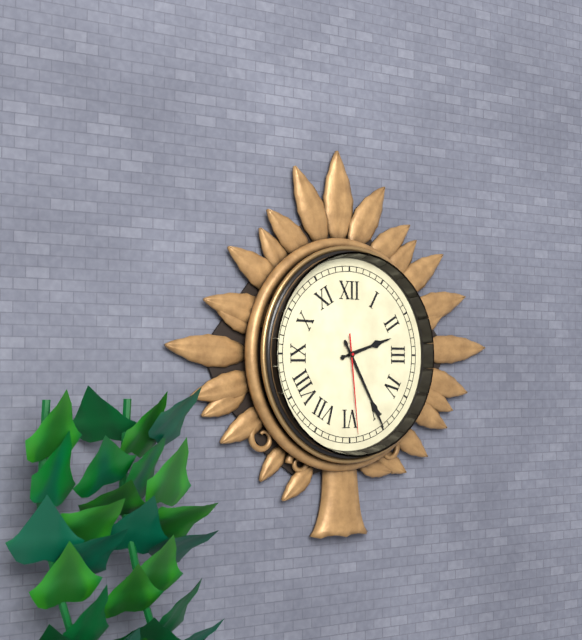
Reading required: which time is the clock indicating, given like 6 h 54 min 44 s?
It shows 2 h 25 min 29 s
